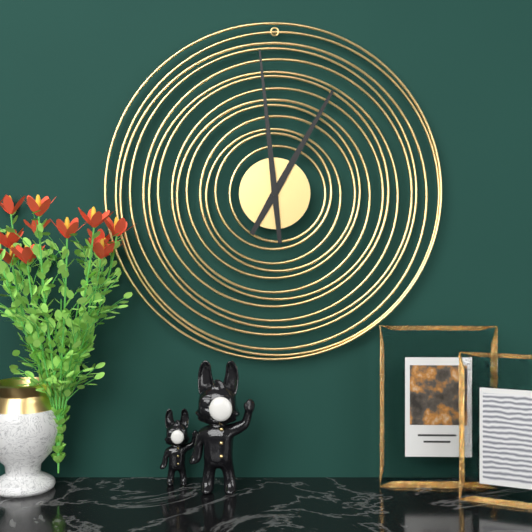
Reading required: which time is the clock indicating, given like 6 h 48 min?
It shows 12 h 59 min
